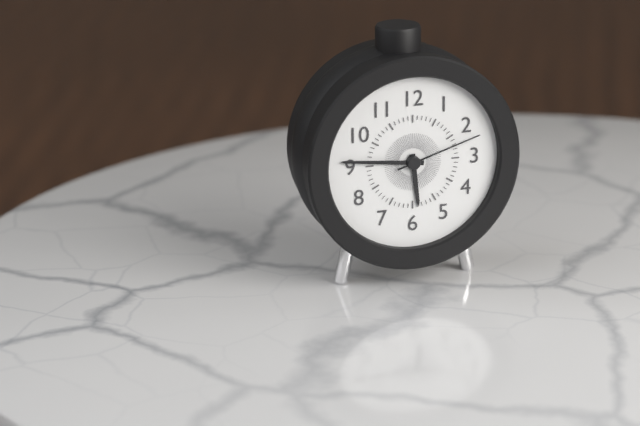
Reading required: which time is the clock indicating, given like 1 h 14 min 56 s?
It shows 5 h 46 min 12 s
